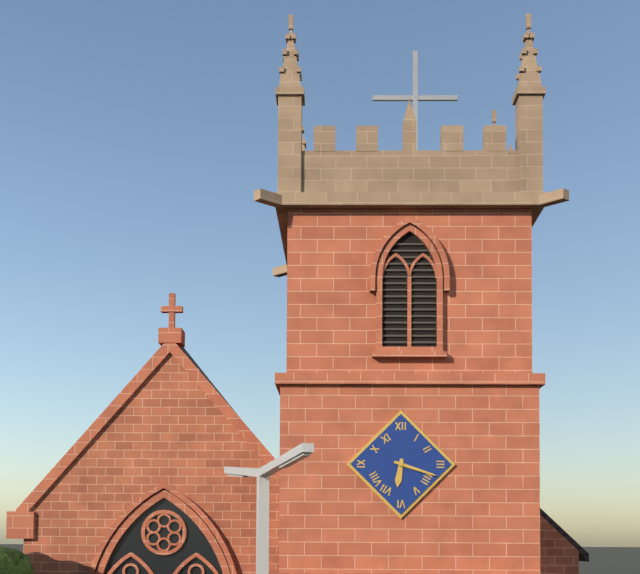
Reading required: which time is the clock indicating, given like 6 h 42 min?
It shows 6 h 18 min
